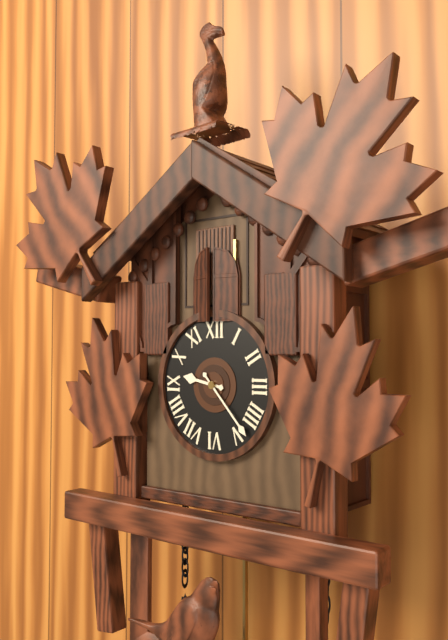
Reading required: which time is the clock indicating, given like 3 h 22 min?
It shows 9 h 23 min
